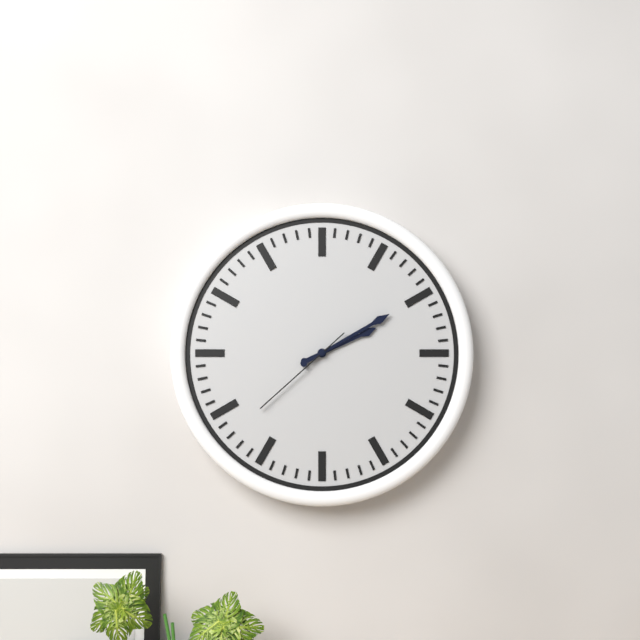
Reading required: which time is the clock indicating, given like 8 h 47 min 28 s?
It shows 2 h 10 min 38 s
